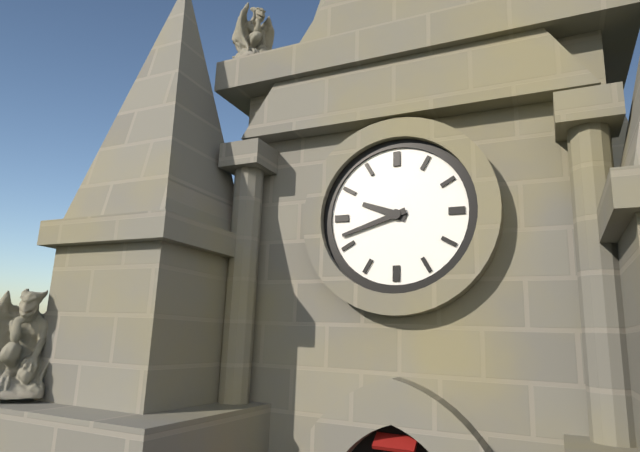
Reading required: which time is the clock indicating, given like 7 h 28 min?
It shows 9 h 42 min
